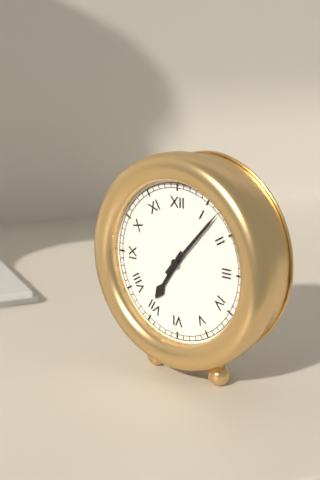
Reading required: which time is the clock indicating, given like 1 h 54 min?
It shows 7 h 07 min
